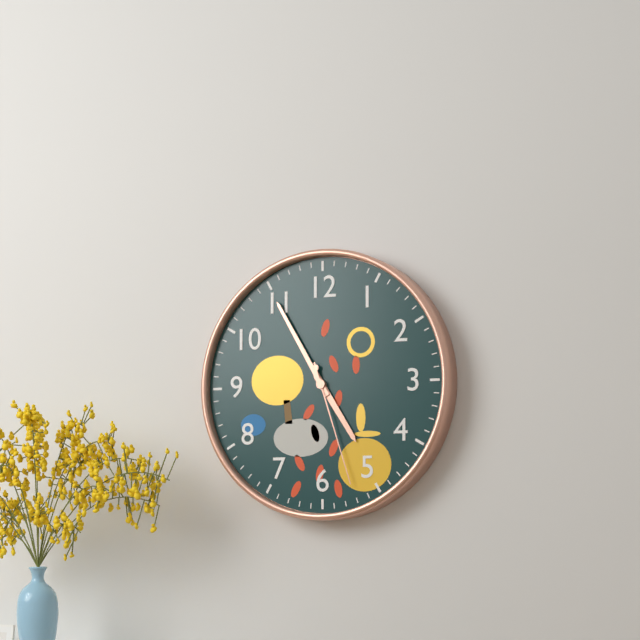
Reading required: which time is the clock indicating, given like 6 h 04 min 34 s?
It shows 4 h 55 min 27 s
